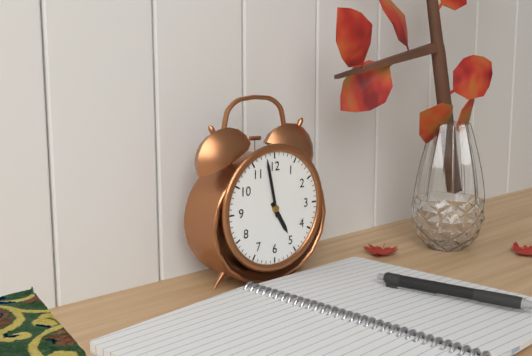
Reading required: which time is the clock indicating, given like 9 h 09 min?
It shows 4 h 58 min
